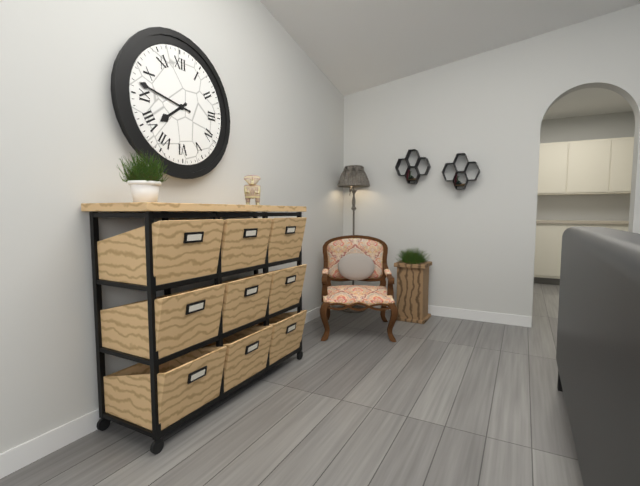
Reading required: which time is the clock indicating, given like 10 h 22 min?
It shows 7 h 47 min
